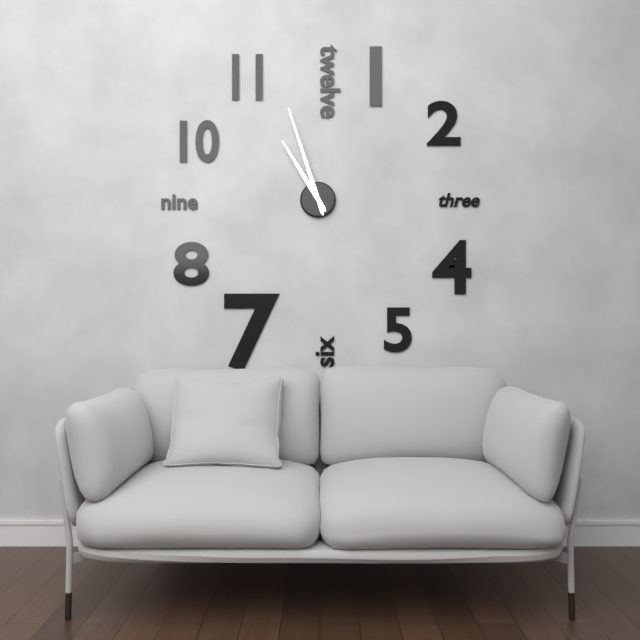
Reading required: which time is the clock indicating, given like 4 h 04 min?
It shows 10 h 57 min
